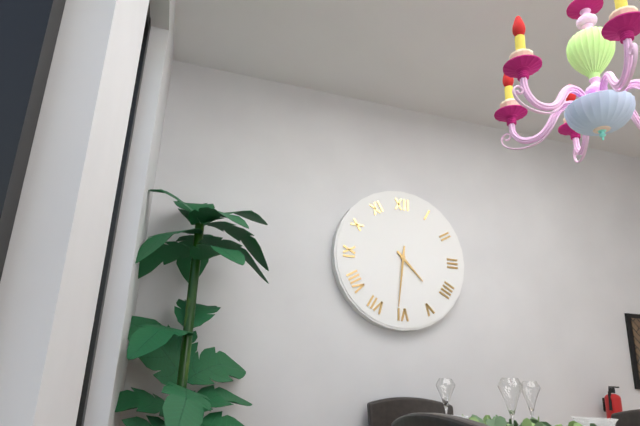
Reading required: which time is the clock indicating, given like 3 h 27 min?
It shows 4 h 31 min
